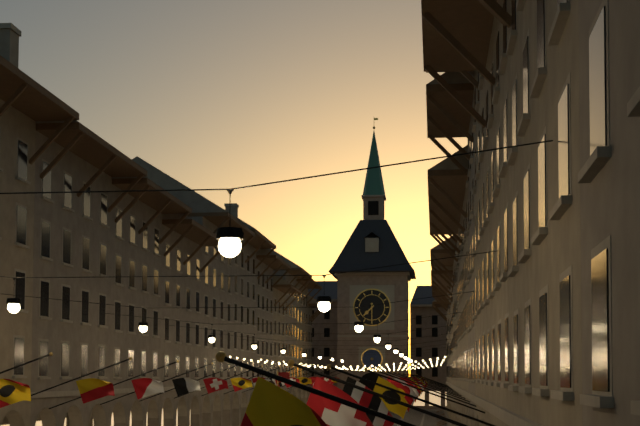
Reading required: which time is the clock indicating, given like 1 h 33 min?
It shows 7 h 30 min
